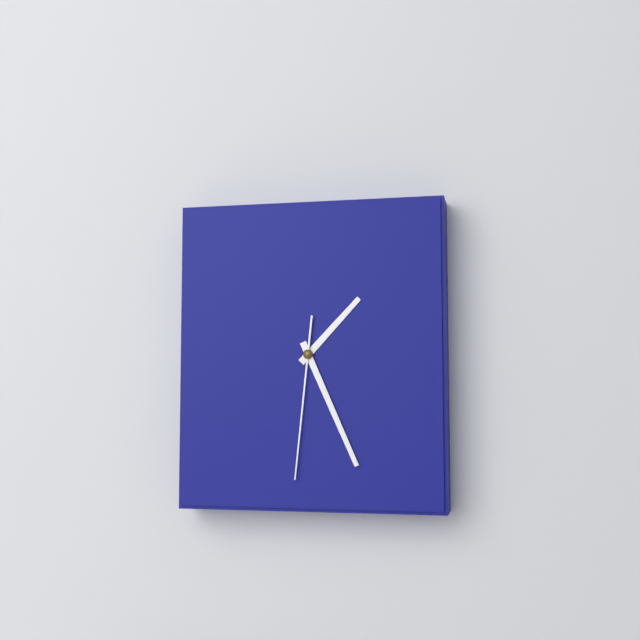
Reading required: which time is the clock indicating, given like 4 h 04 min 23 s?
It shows 1 h 26 min 31 s
